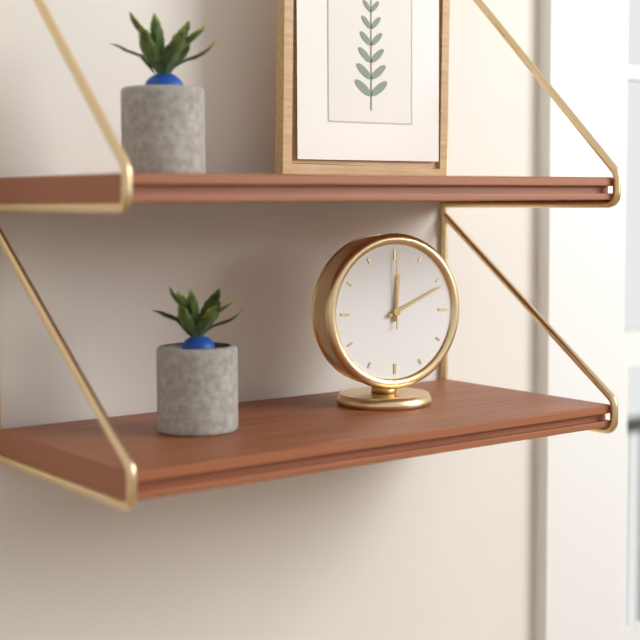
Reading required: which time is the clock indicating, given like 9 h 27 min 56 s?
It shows 12 h 11 min 00 s
